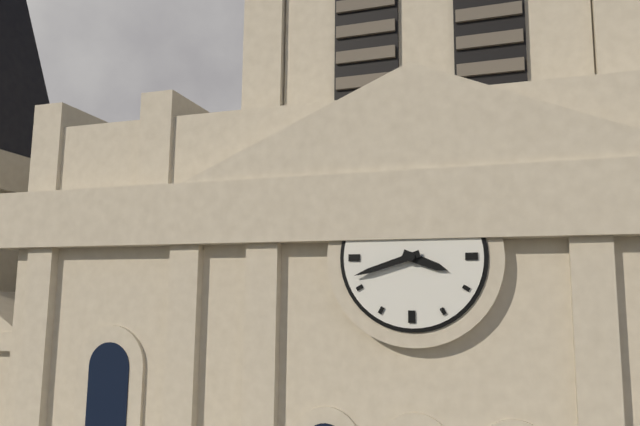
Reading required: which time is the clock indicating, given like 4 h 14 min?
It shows 3 h 42 min
